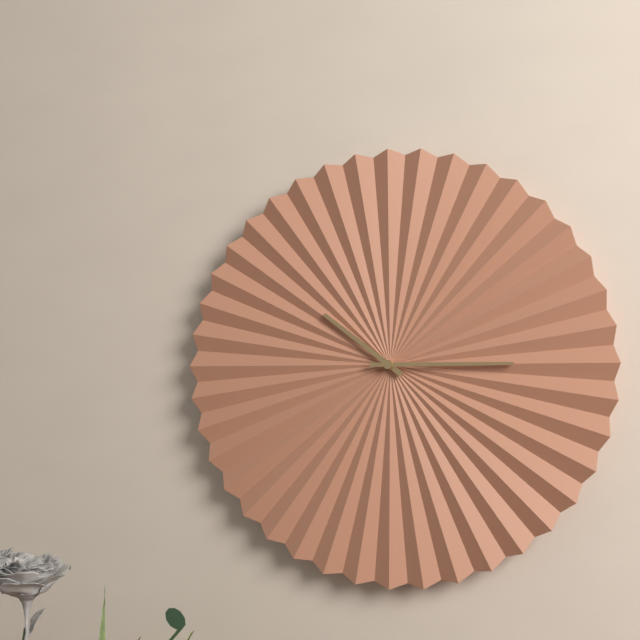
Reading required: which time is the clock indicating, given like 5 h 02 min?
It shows 10 h 15 min
